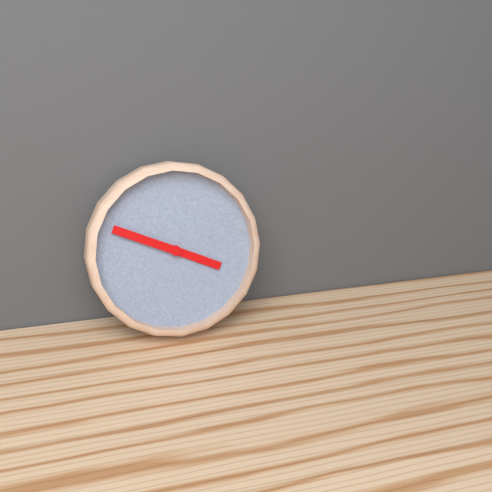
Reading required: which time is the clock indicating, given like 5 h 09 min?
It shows 3 h 49 min
